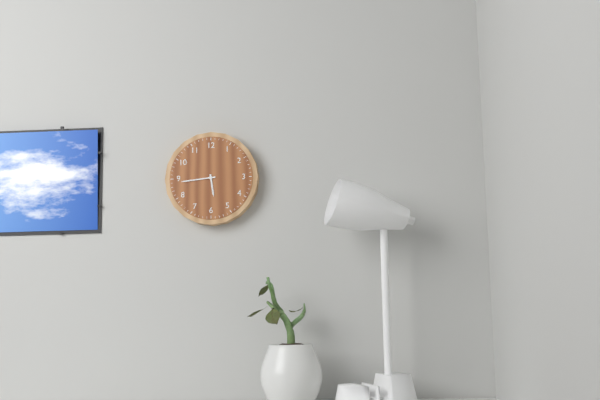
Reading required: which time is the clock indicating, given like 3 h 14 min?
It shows 5 h 44 min
